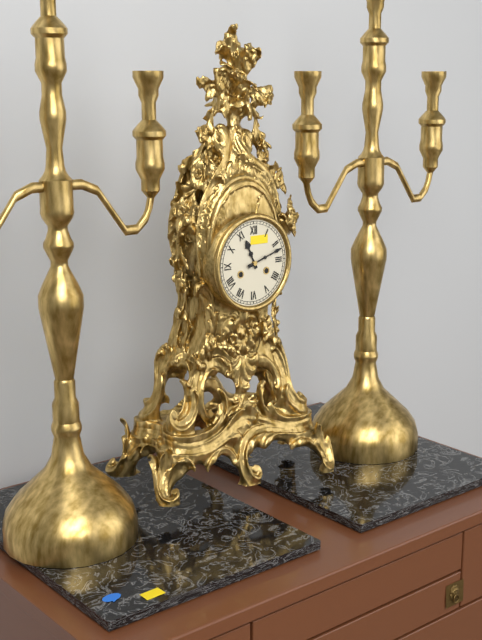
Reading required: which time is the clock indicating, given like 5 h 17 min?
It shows 11 h 12 min
